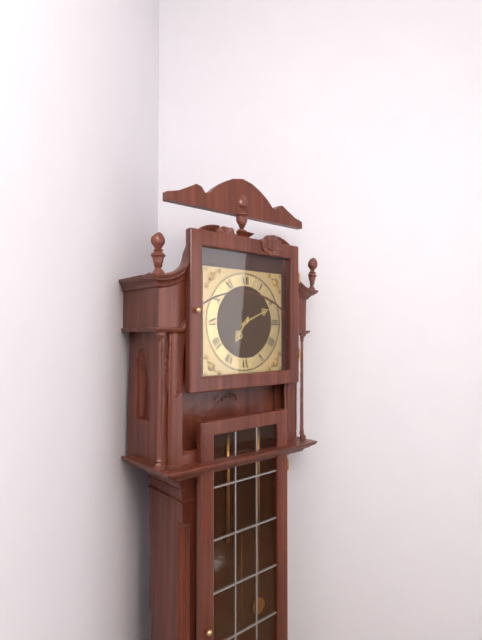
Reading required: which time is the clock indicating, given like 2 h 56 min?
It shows 7 h 11 min
